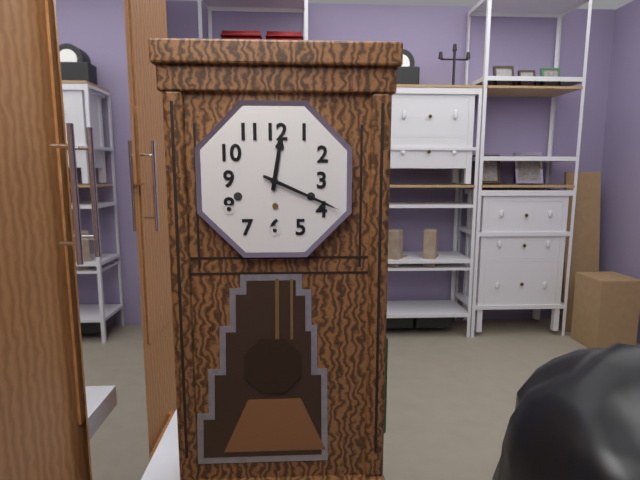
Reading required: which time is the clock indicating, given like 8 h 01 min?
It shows 12 h 19 min
